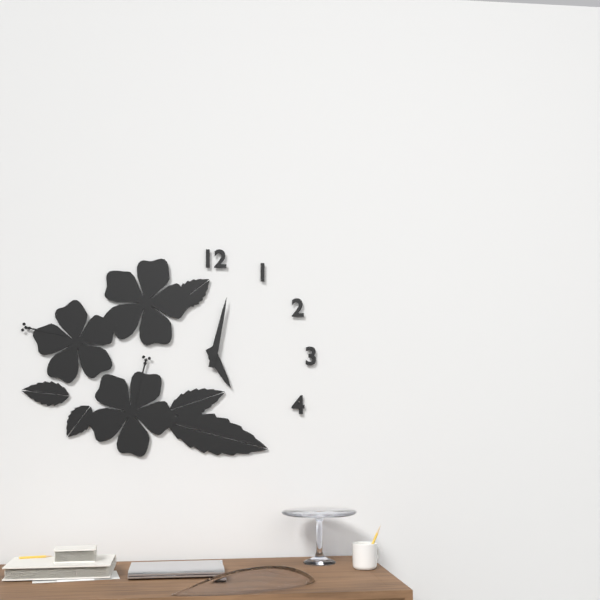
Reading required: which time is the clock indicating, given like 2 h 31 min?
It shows 5 h 02 min
